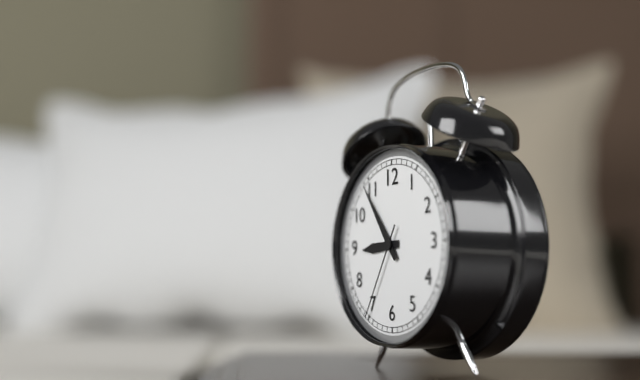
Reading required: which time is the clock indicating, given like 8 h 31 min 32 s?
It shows 8 h 54 min 35 s
